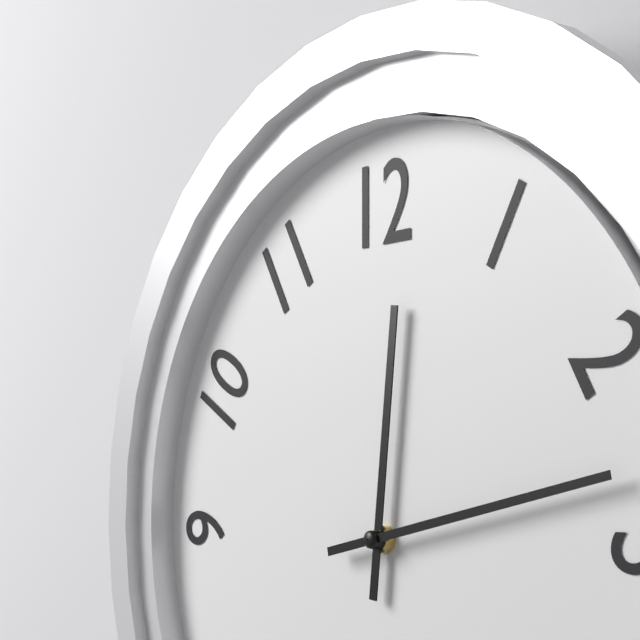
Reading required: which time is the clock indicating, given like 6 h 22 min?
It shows 12 h 13 min
